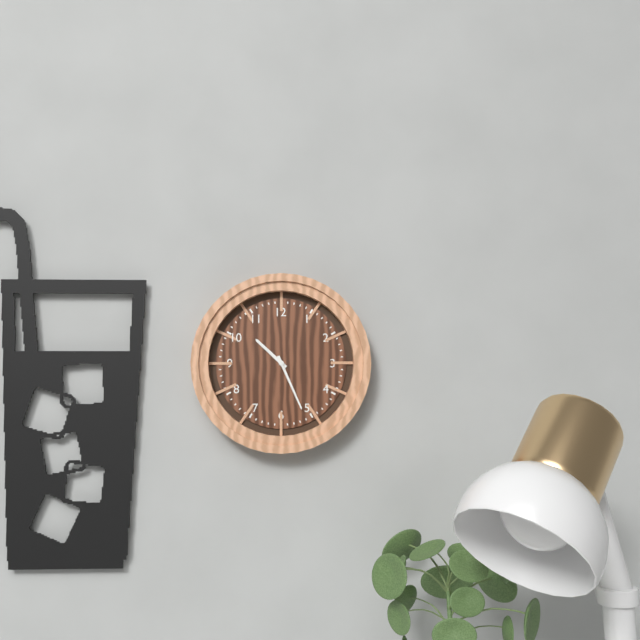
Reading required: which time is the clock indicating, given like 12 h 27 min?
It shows 10 h 26 min
